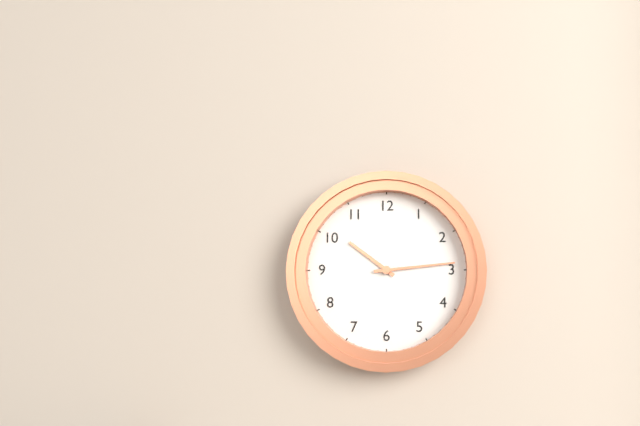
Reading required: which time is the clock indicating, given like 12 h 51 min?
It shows 10 h 14 min
